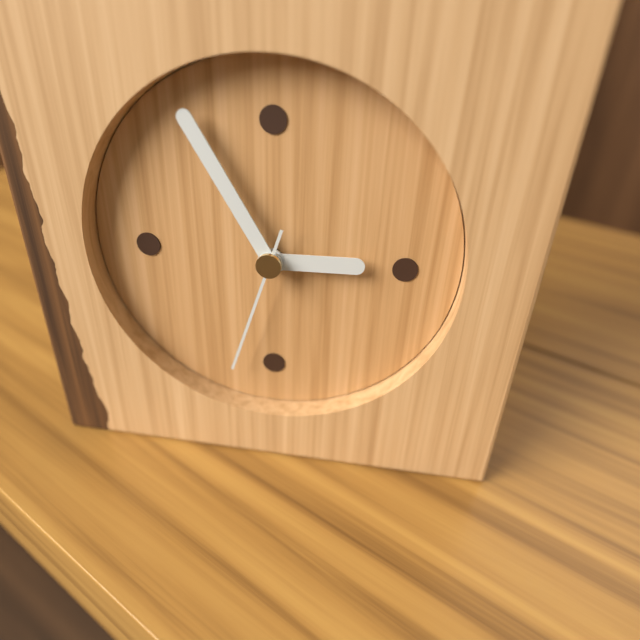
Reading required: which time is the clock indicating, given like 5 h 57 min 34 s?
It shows 2 h 55 min 33 s
